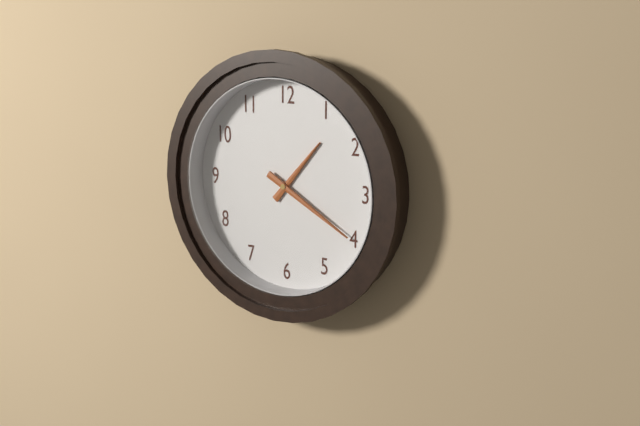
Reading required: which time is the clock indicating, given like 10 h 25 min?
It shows 1 h 20 min
